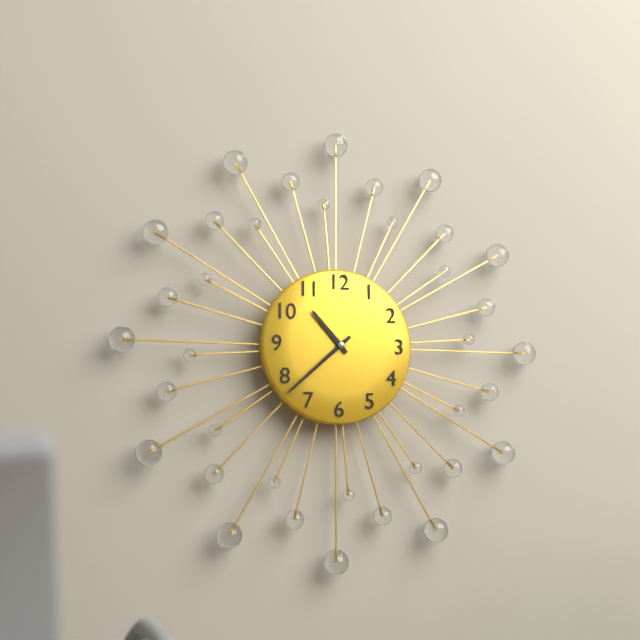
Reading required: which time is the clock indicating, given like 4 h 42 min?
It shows 10 h 38 min
